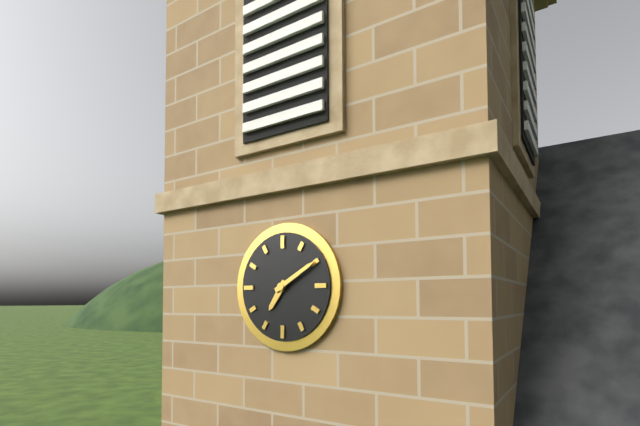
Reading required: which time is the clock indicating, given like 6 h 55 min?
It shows 7 h 10 min
